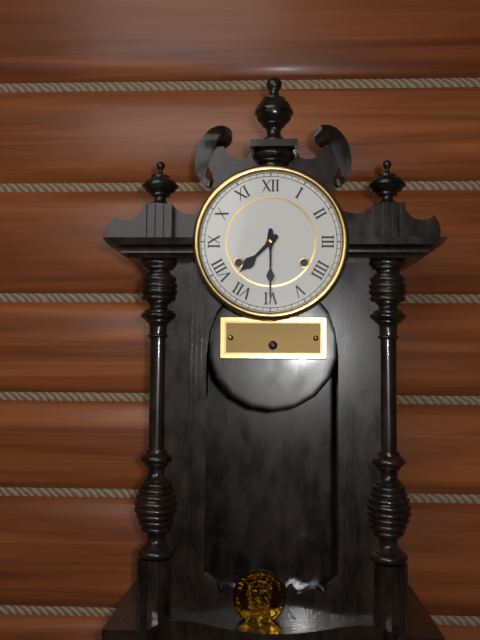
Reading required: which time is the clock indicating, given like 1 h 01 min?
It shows 7 h 30 min
